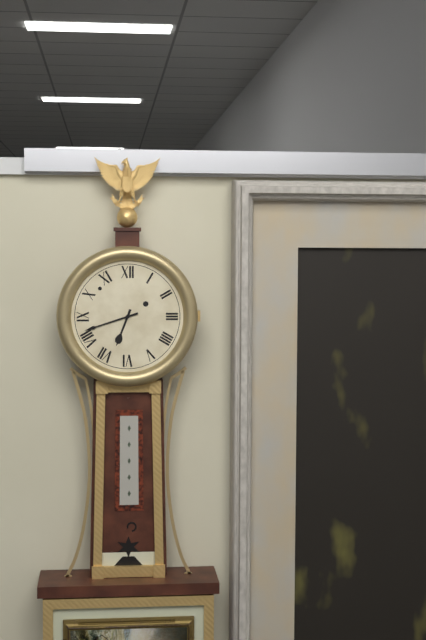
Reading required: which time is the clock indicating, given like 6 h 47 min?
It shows 6 h 42 min
